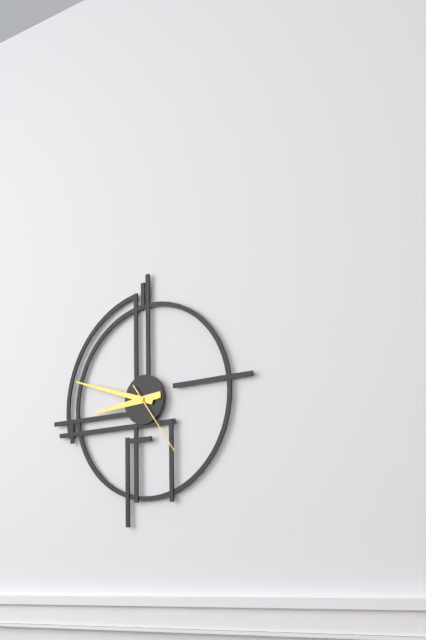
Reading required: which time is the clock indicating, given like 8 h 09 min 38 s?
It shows 8 h 48 min 24 s
